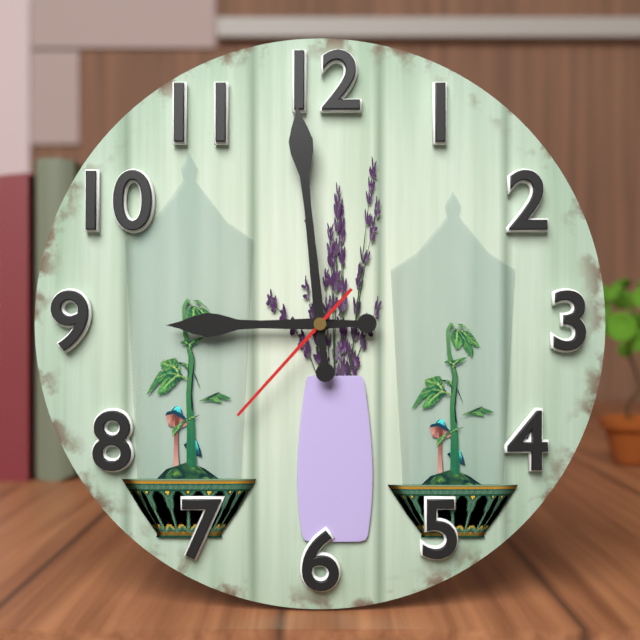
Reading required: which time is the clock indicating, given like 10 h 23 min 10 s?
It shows 8 h 59 min 37 s
